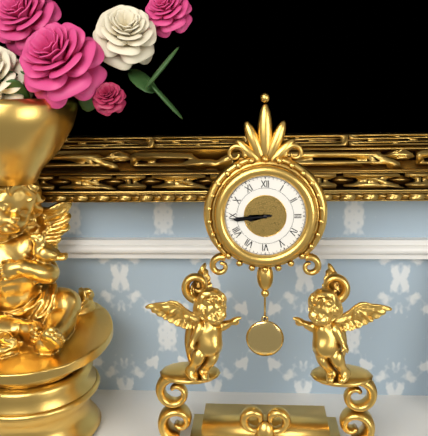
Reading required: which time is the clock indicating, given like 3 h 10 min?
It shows 8 h 44 min
